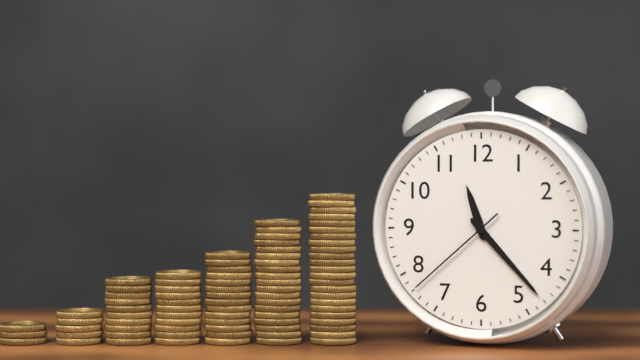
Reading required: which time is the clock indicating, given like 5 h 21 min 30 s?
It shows 11 h 23 min 38 s
